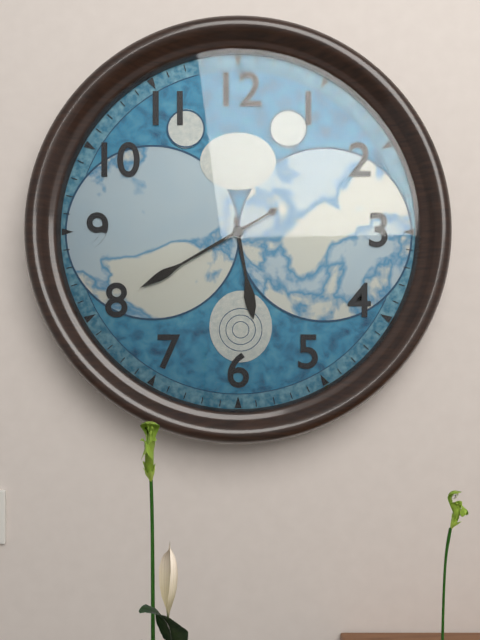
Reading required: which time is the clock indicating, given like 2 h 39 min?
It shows 5 h 40 min
